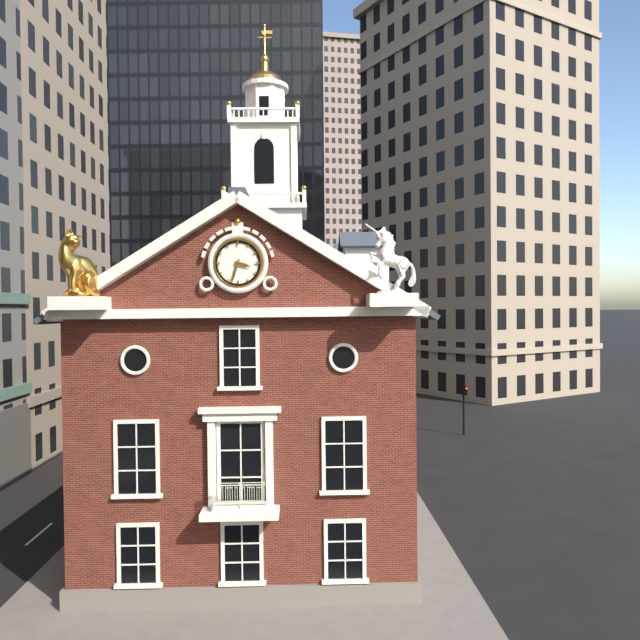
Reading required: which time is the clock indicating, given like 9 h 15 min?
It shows 3 h 33 min
